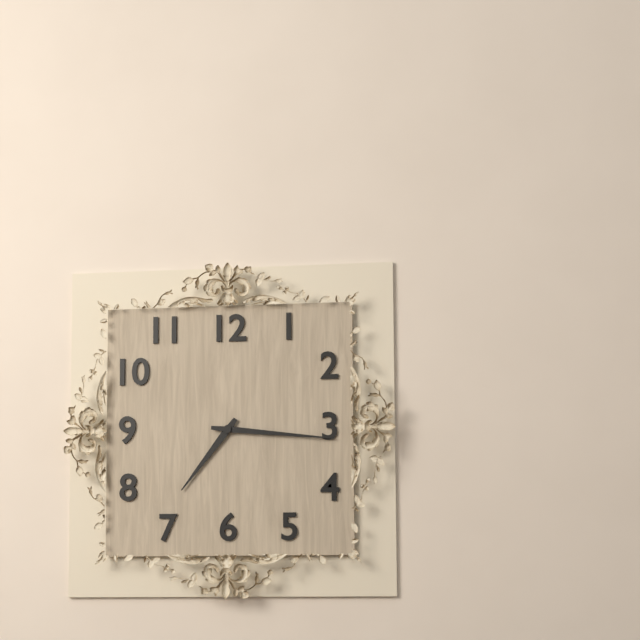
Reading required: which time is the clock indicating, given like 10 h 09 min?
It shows 7 h 16 min
